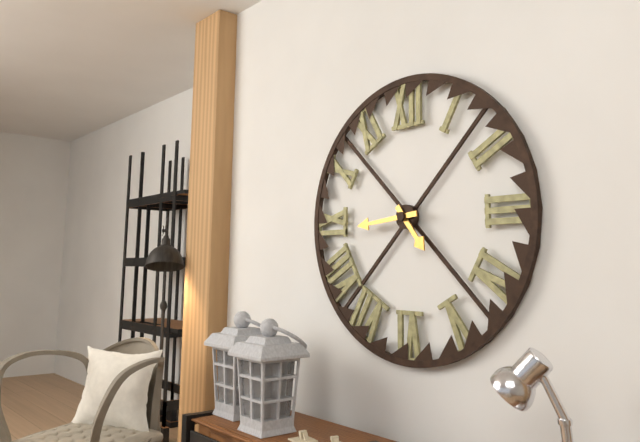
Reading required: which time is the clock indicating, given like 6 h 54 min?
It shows 4 h 44 min
